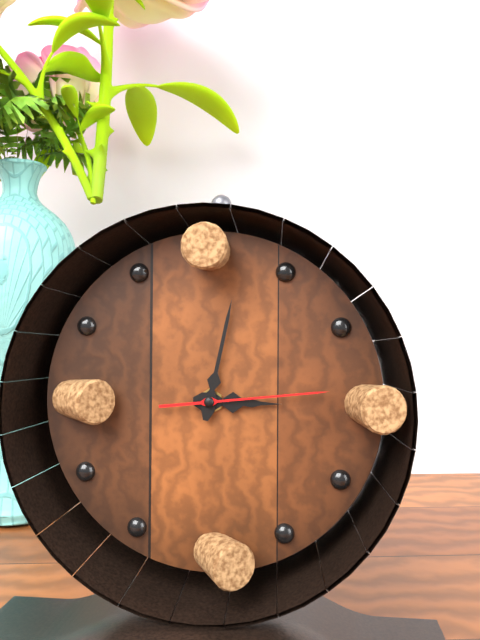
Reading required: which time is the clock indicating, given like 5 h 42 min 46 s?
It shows 3 h 02 min 14 s
